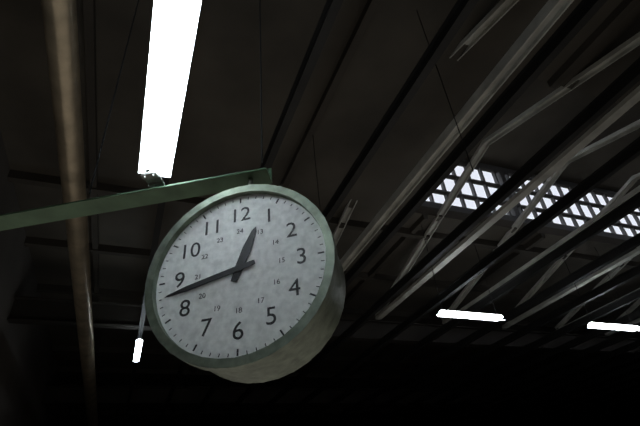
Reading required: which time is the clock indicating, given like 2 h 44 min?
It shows 12 h 43 min
